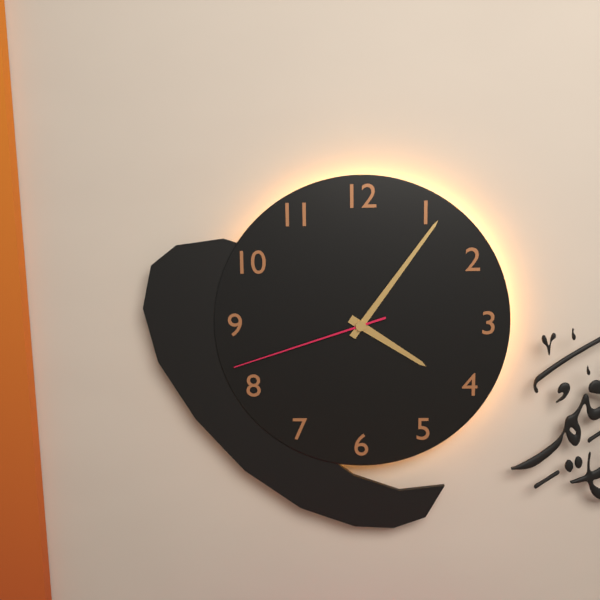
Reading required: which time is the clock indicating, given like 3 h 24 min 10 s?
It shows 4 h 06 min 42 s
